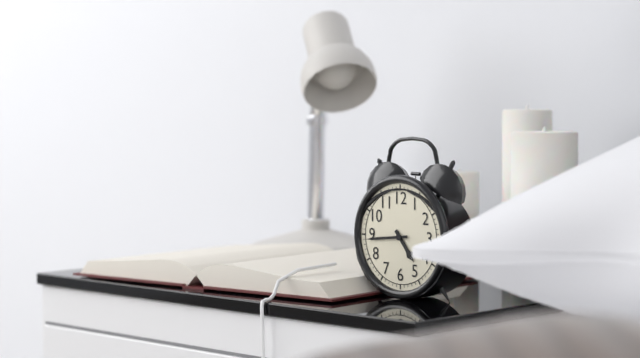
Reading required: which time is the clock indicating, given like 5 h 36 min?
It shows 4 h 44 min
